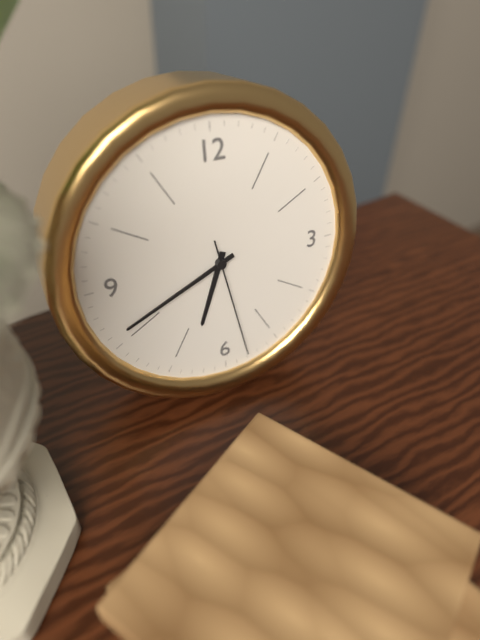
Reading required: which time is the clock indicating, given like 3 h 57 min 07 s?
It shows 6 h 41 min 28 s
